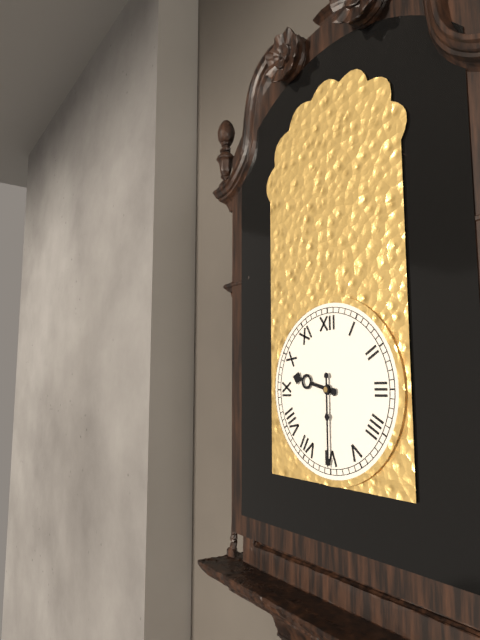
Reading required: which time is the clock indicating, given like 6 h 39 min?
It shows 9 h 30 min
